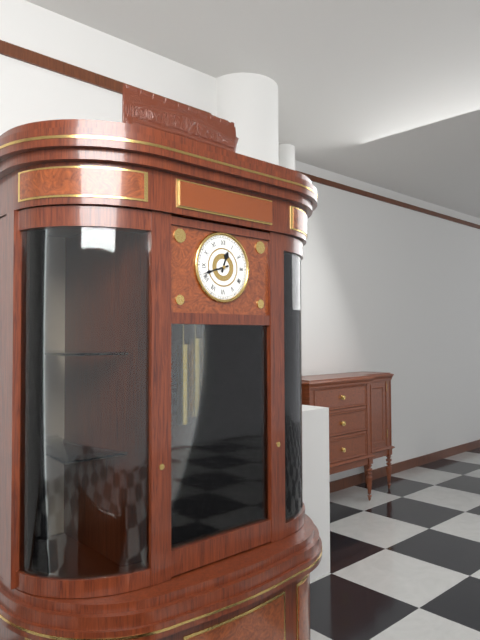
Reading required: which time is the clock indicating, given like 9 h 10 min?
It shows 12 h 42 min
